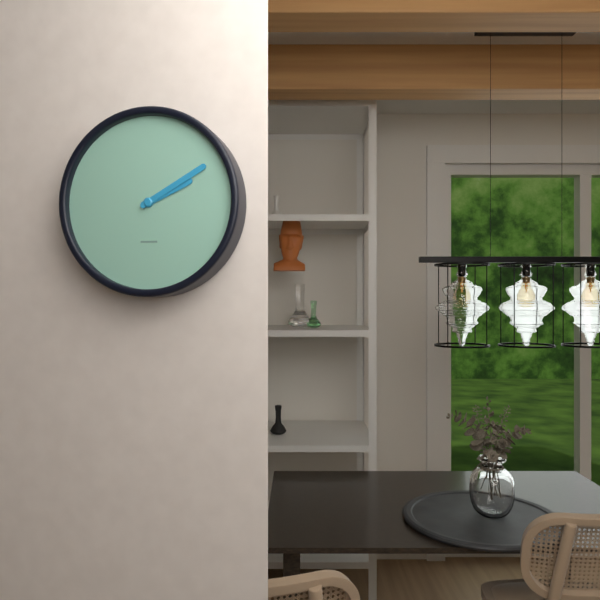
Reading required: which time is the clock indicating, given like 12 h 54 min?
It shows 2 h 10 min
